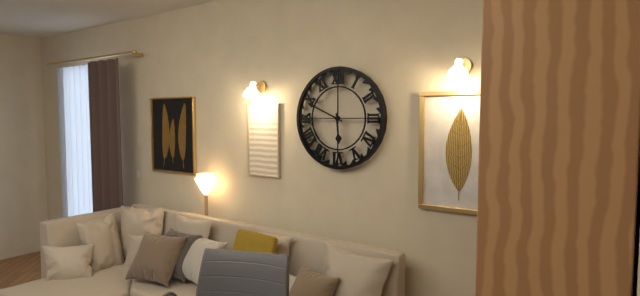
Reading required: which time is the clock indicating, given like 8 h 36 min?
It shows 5 h 49 min
